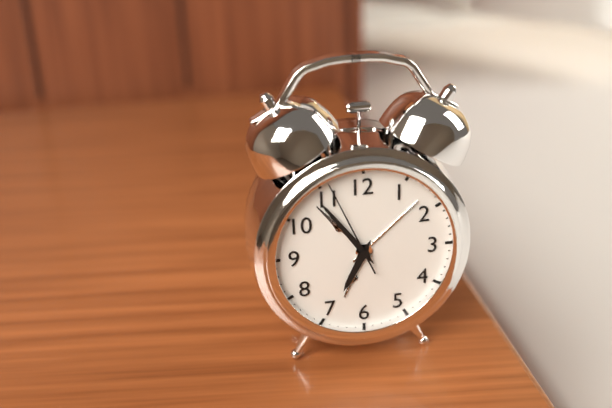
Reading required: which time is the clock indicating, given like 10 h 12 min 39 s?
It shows 6 h 54 min 56 s
